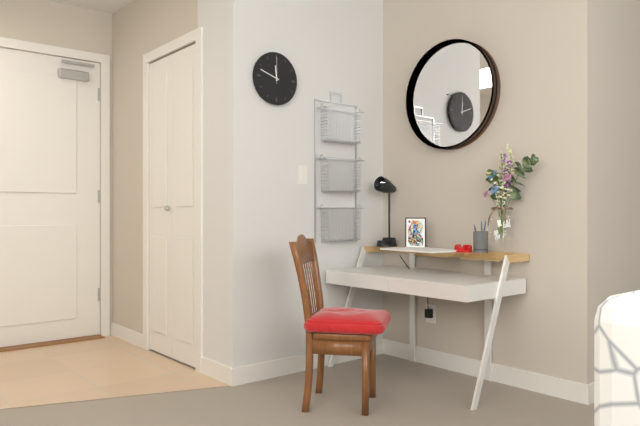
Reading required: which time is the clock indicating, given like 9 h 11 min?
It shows 11 h 48 min
